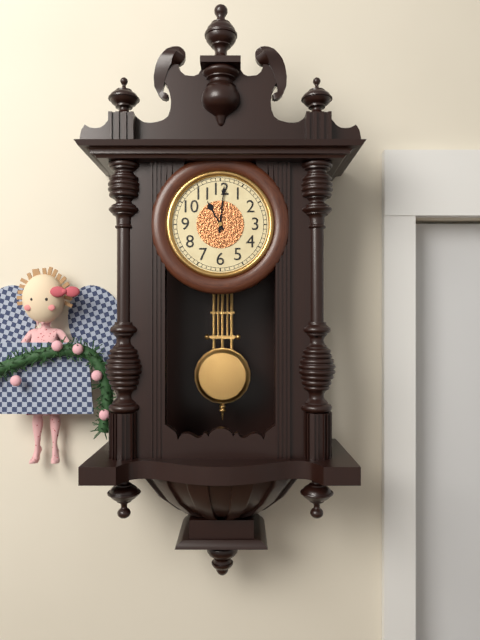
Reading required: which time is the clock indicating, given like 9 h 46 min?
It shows 11 h 01 min
